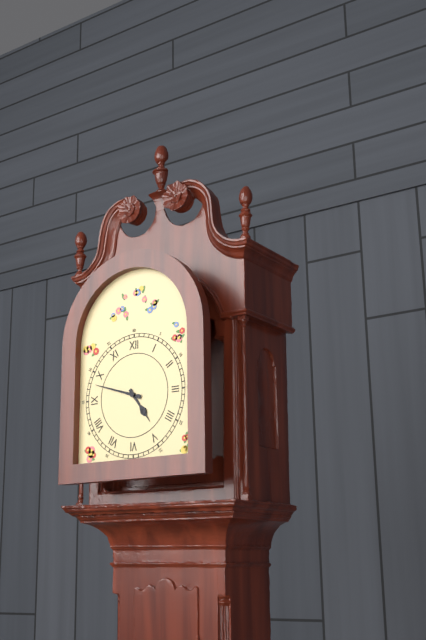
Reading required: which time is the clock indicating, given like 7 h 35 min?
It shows 4 h 48 min
